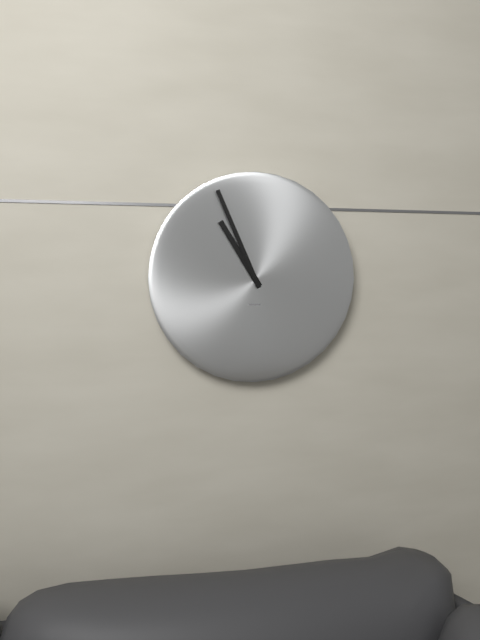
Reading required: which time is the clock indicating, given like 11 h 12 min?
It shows 10 h 56 min
